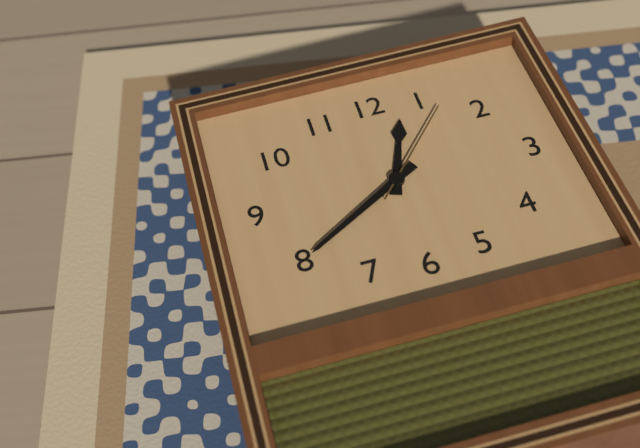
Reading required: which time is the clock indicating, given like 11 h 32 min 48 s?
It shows 12 h 40 min 07 s
